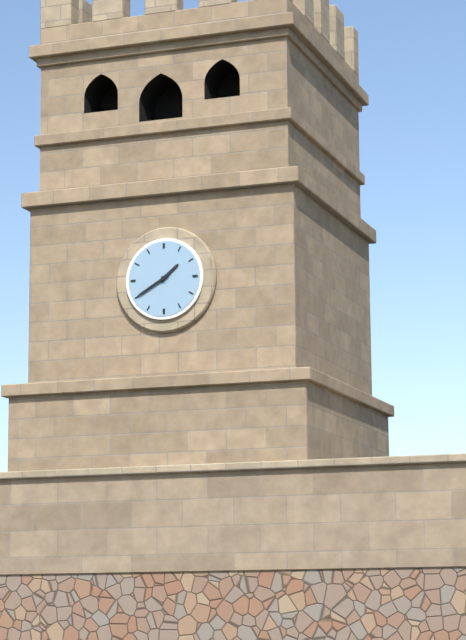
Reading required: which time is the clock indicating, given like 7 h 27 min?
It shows 1 h 40 min
